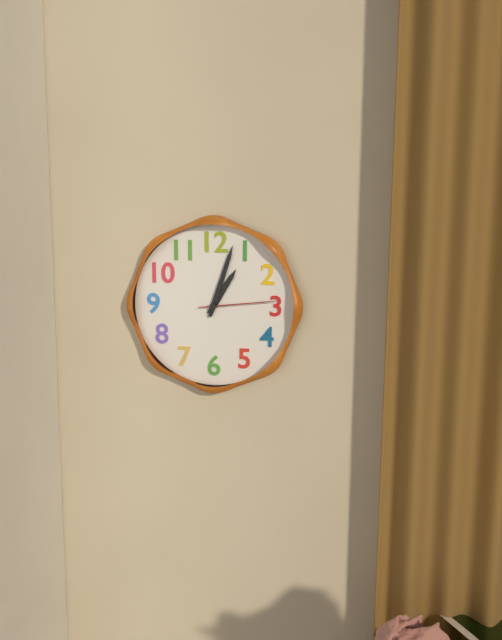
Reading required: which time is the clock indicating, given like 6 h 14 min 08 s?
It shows 1 h 03 min 14 s
